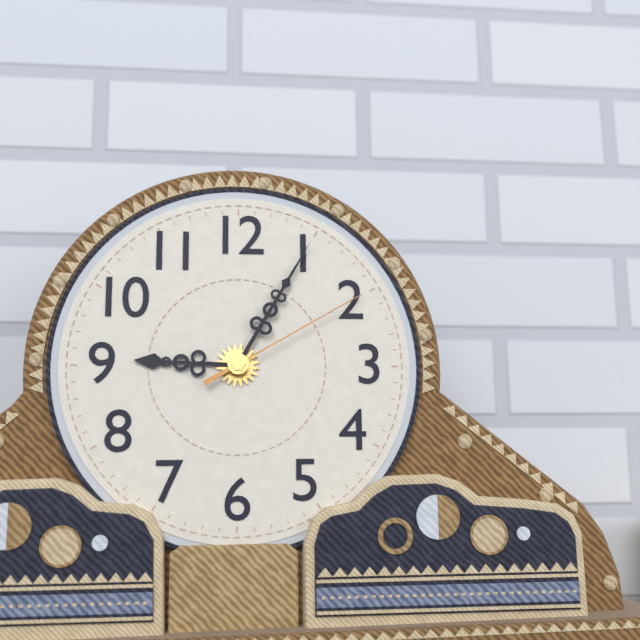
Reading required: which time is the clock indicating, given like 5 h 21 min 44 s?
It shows 9 h 05 min 10 s
